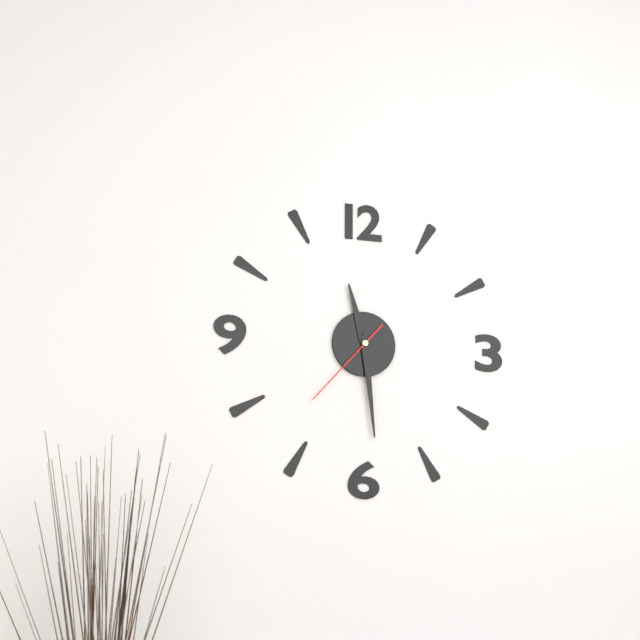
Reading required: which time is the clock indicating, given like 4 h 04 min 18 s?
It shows 11 h 29 min 37 s
